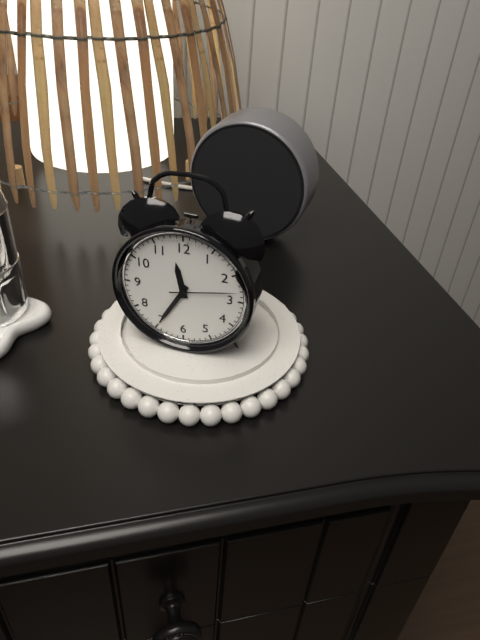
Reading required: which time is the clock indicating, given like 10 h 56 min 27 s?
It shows 11 h 35 min 13 s
